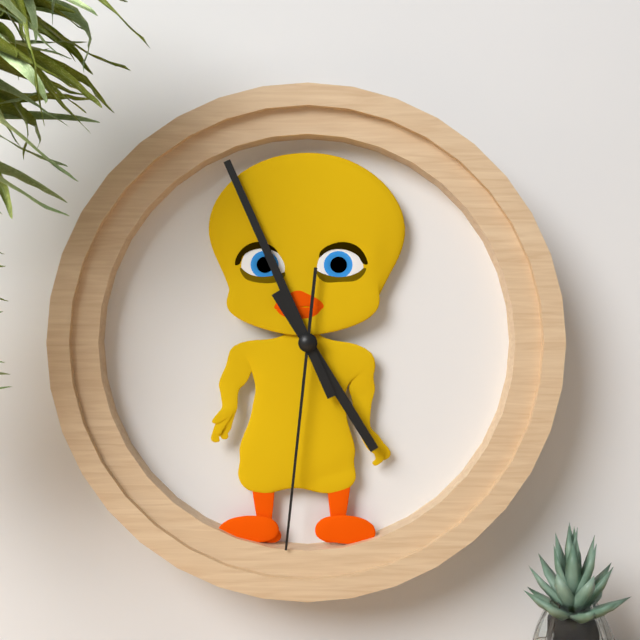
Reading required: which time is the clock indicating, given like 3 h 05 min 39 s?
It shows 4 h 56 min 31 s
